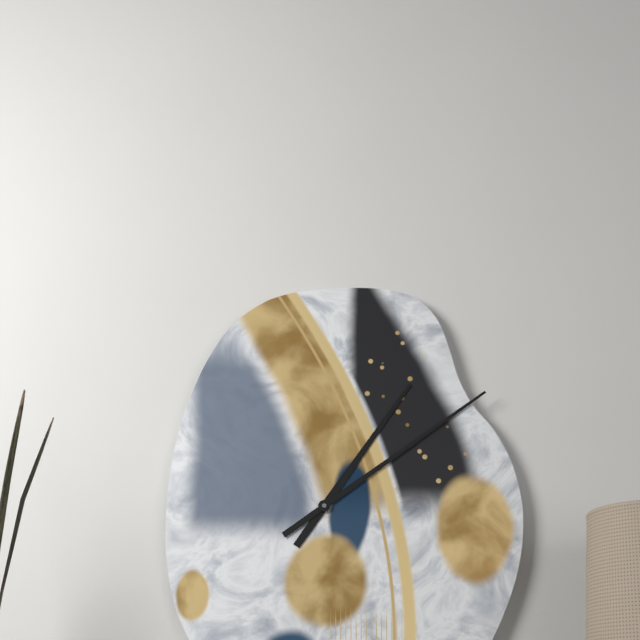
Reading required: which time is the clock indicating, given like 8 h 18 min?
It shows 1 h 09 min
